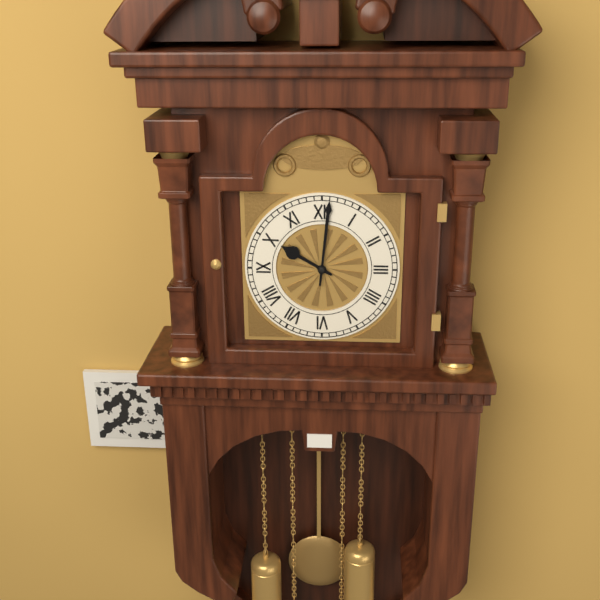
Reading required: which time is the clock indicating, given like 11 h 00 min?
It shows 10 h 01 min
